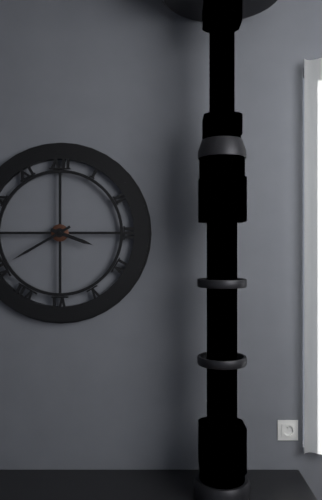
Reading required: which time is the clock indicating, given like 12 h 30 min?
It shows 3 h 40 min
